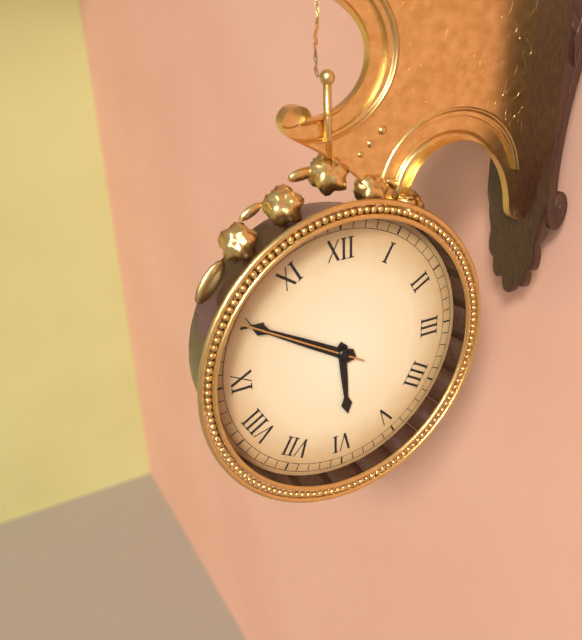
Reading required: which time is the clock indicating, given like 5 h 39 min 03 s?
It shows 5 h 50 min 50 s
